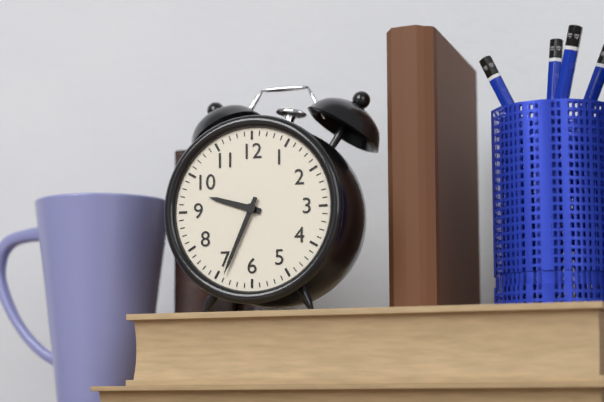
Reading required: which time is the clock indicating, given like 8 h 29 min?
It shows 9 h 34 min
